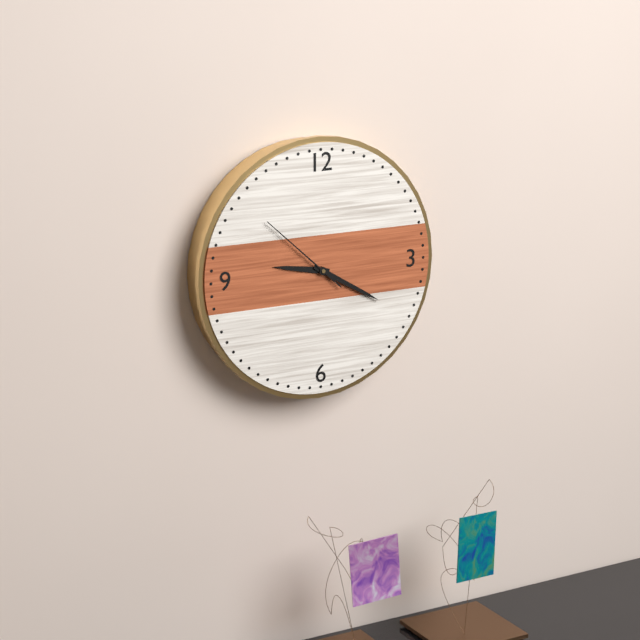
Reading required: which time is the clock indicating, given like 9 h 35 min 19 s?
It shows 9 h 20 min 52 s
